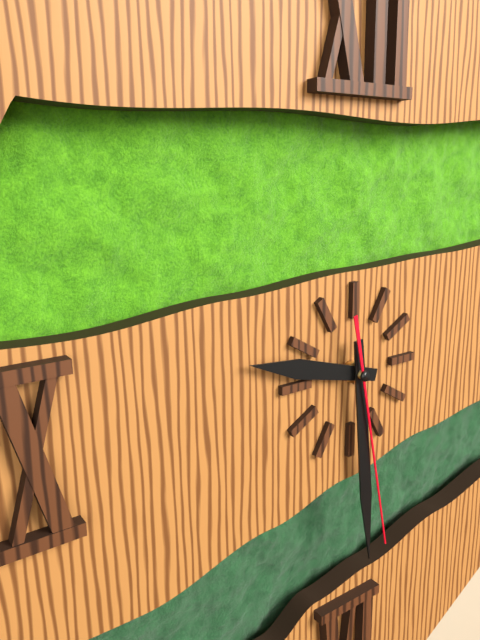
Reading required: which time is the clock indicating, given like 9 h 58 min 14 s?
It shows 9 h 29 min 28 s
